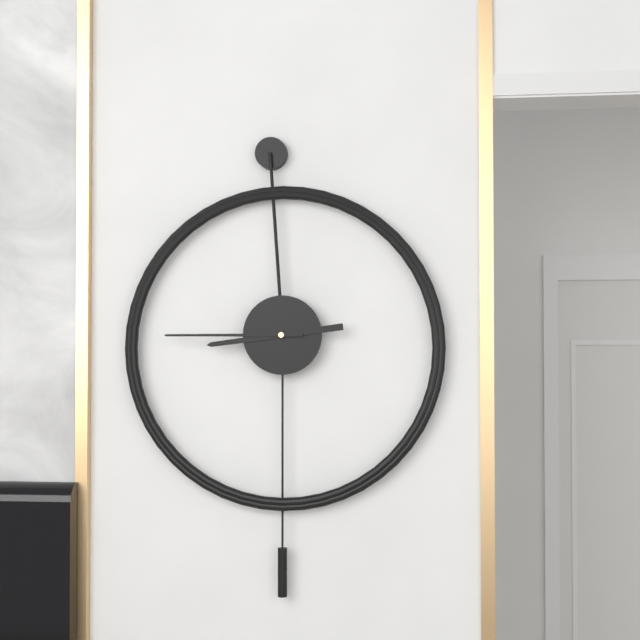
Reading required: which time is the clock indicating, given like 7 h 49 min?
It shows 8 h 45 min
